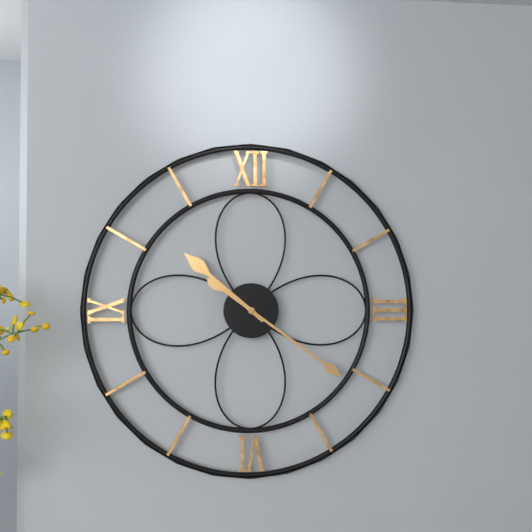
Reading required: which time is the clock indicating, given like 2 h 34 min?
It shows 10 h 21 min
